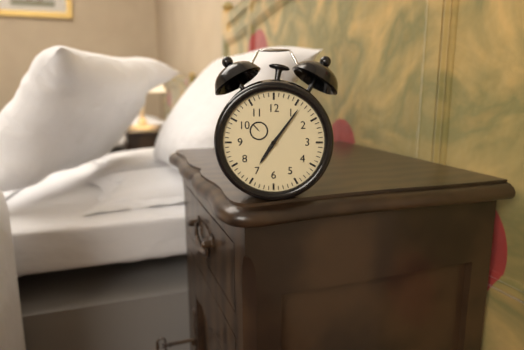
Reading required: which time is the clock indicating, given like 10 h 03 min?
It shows 7 h 06 min
